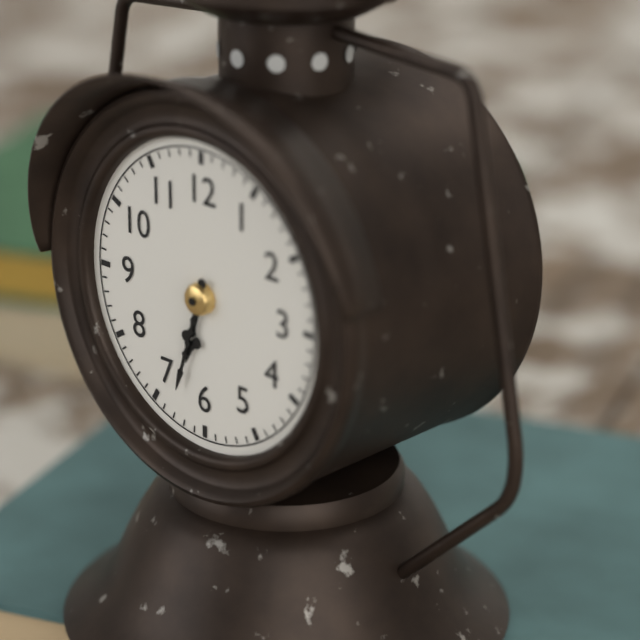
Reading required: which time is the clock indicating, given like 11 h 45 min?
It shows 6 h 33 min
